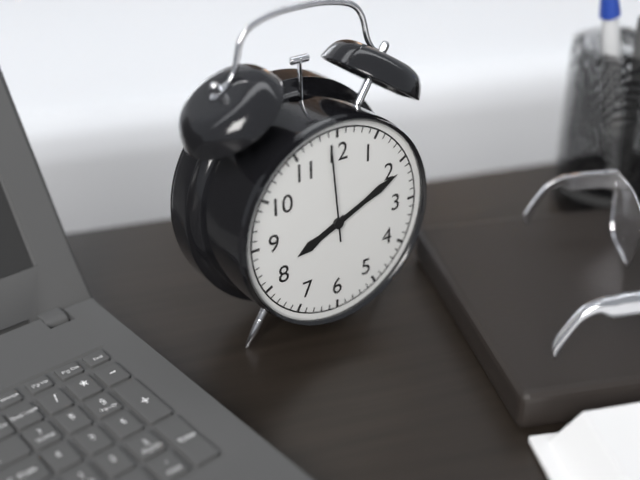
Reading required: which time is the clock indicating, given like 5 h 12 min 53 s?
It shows 8 h 11 min 59 s
